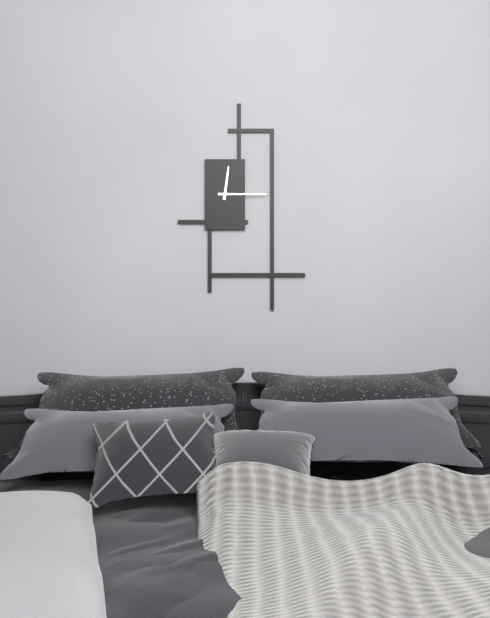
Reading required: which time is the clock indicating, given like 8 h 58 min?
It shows 12 h 15 min
